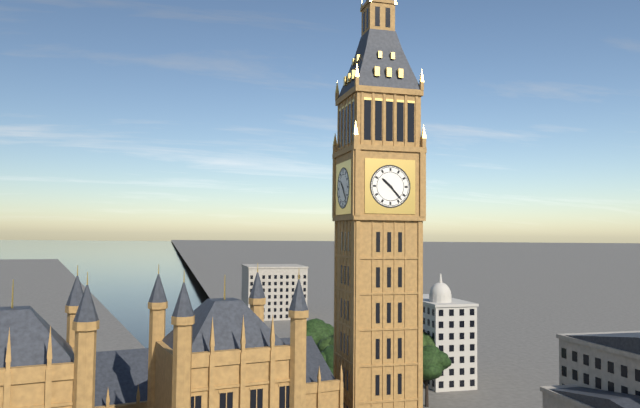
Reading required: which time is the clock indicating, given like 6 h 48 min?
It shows 10 h 23 min
